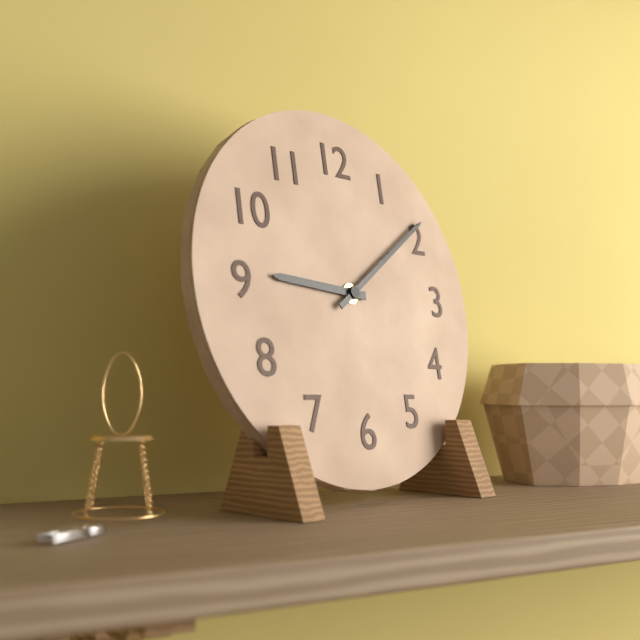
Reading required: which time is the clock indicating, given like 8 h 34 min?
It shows 9 h 09 min
